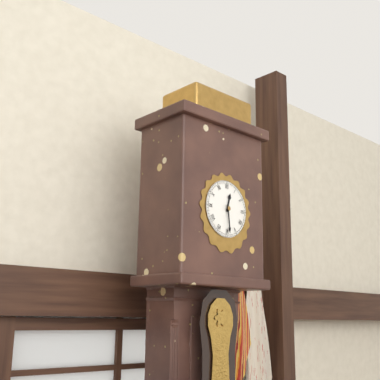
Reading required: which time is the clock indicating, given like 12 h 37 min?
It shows 12 h 29 min
